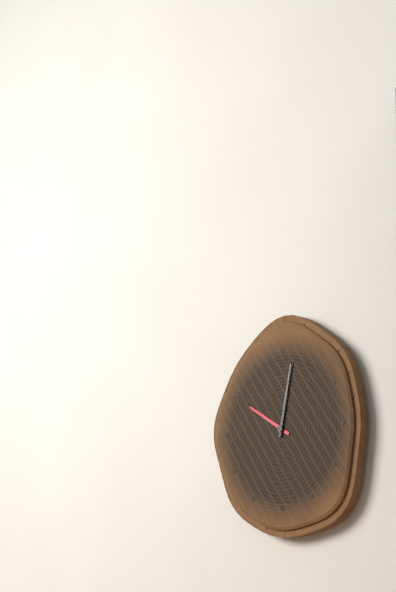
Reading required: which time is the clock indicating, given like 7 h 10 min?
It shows 10 h 02 min
